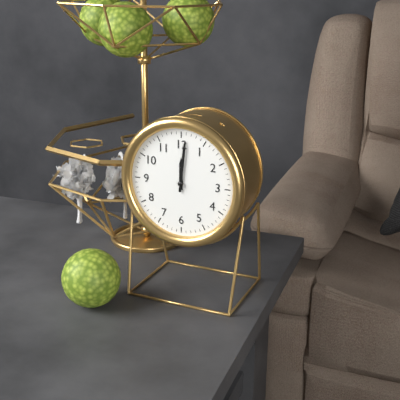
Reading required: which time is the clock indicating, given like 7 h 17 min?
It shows 12 h 01 min
